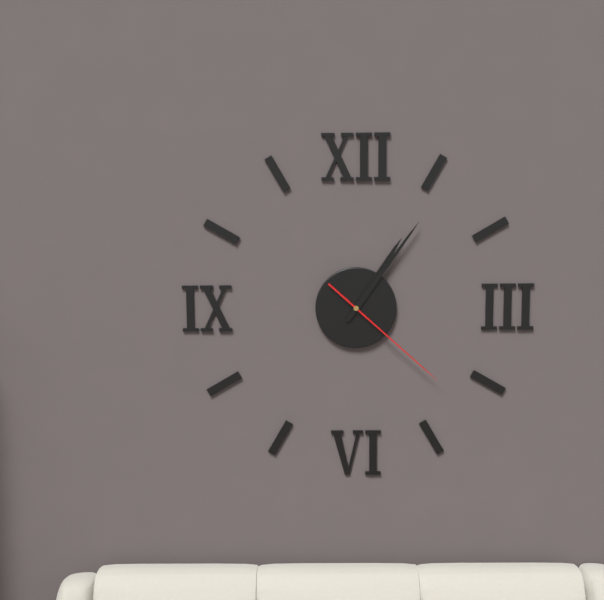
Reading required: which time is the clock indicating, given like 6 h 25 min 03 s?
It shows 1 h 06 min 22 s
